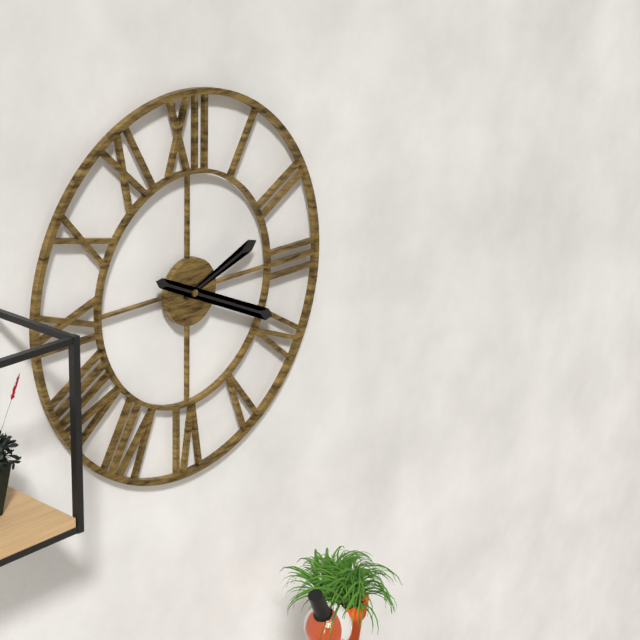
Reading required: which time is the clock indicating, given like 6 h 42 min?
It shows 2 h 19 min
